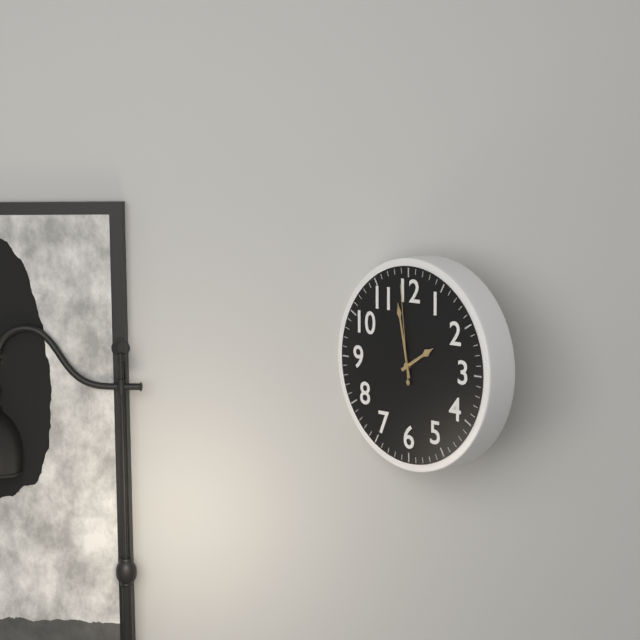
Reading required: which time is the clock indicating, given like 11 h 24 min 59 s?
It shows 1 h 58 min 59 s
